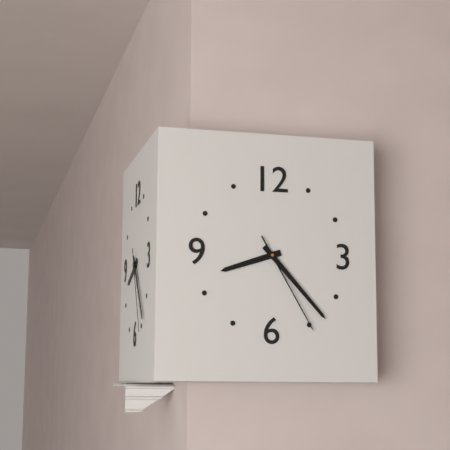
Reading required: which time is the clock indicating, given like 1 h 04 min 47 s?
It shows 8 h 23 min 25 s
